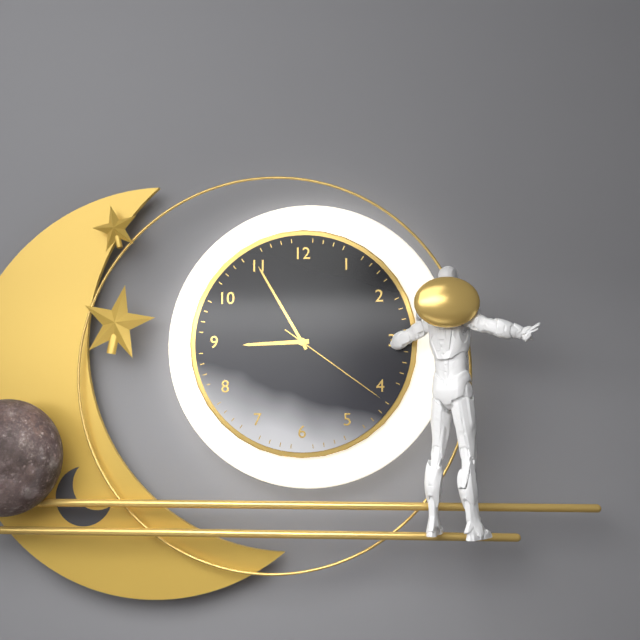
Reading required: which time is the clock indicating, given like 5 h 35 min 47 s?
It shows 8 h 55 min 21 s
